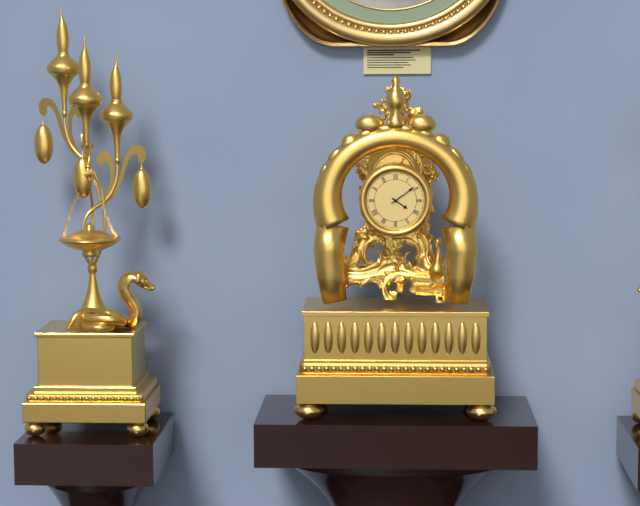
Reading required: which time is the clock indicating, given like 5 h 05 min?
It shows 4 h 09 min
